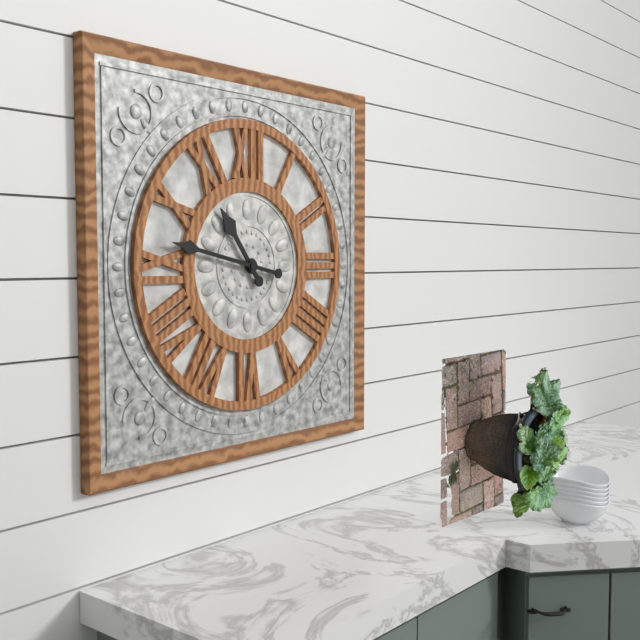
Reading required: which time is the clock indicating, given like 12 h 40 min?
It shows 10 h 47 min
